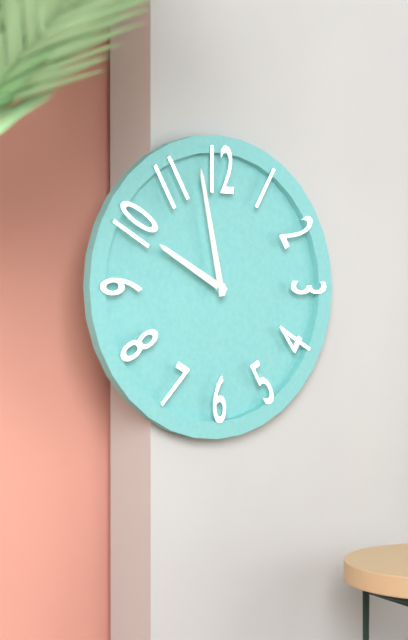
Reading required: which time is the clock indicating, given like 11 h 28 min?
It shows 9 h 58 min
